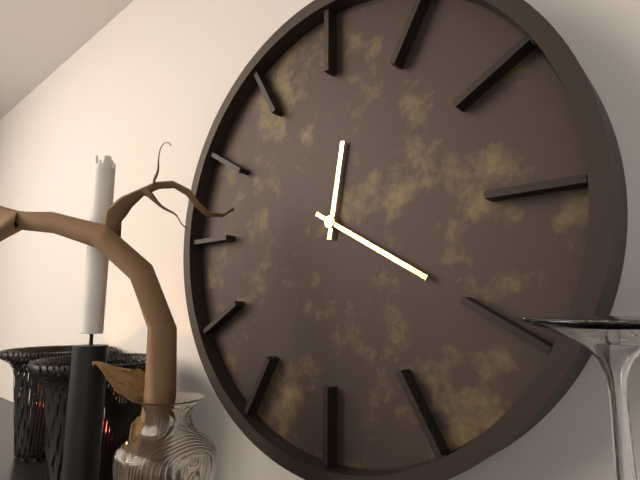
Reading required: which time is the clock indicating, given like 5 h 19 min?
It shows 12 h 20 min
